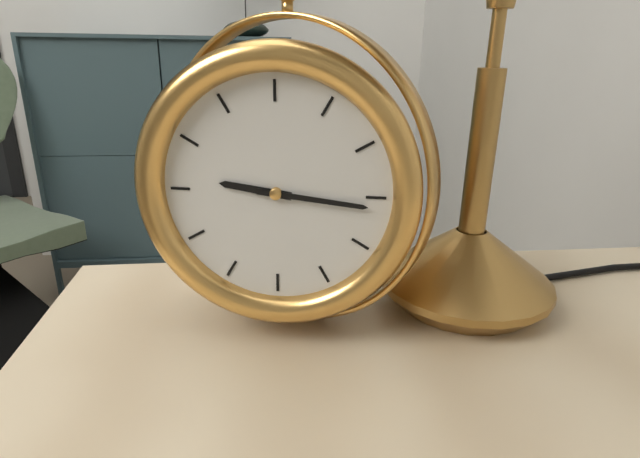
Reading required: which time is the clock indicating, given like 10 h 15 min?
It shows 9 h 16 min
